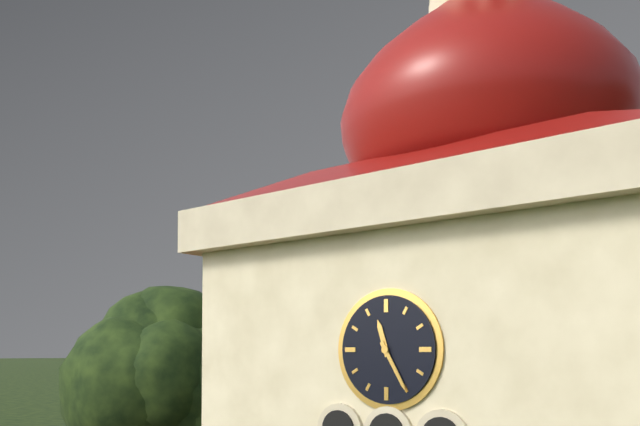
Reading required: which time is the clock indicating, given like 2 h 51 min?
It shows 11 h 25 min
